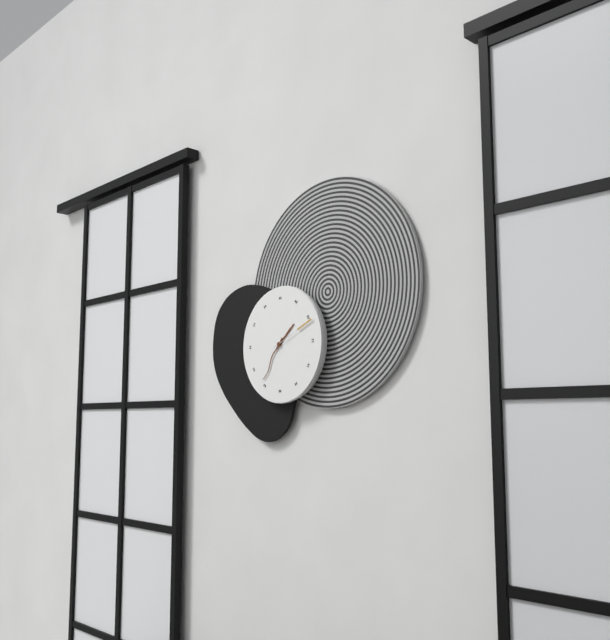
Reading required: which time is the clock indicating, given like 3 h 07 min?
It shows 1 h 36 min
